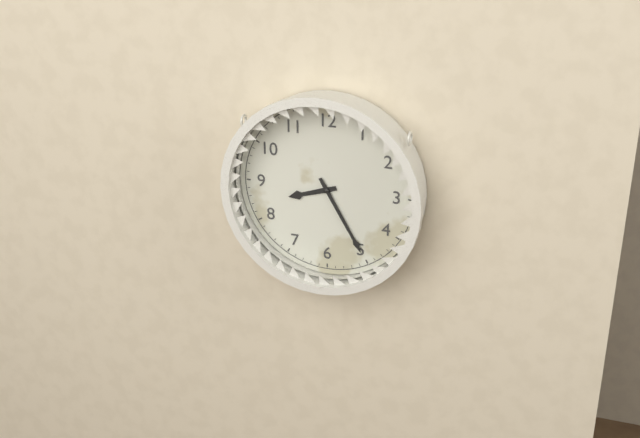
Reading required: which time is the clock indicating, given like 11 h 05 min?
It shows 8 h 25 min
